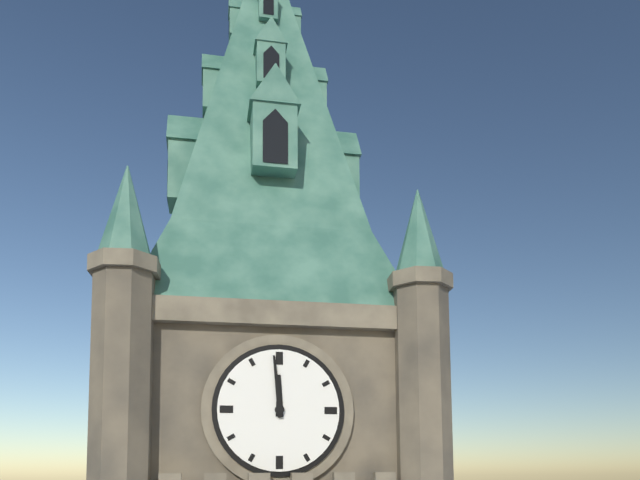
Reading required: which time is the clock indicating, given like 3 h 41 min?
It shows 11 h 59 min
